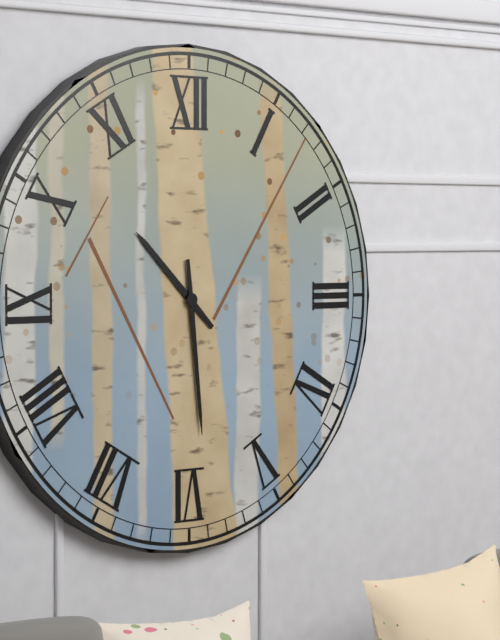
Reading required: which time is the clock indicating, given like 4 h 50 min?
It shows 10 h 29 min
